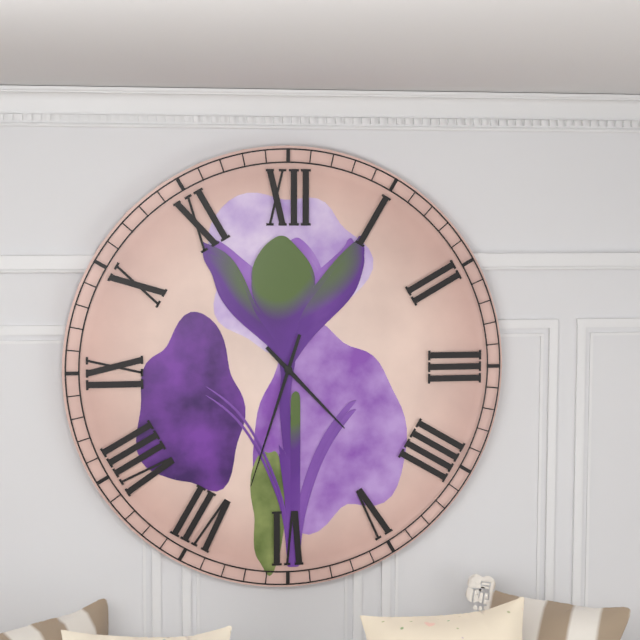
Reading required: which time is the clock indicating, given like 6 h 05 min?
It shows 4 h 33 min
